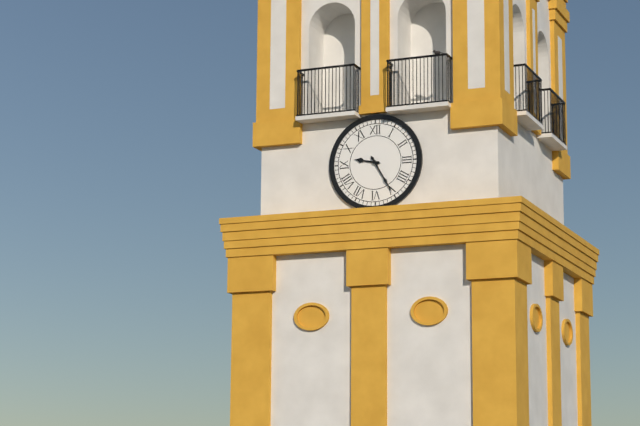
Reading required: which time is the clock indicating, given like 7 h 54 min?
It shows 9 h 25 min
